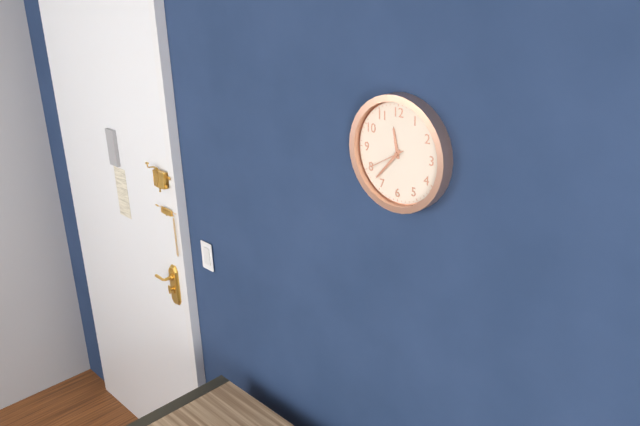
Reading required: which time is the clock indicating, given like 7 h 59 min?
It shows 11 h 37 min
